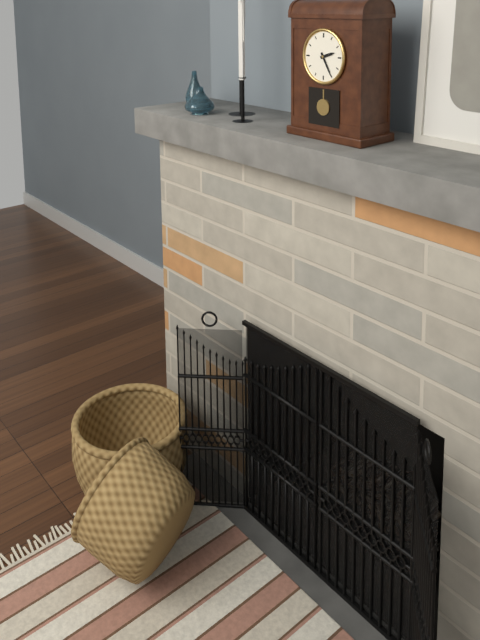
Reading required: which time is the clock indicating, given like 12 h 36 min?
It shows 2 h 25 min
